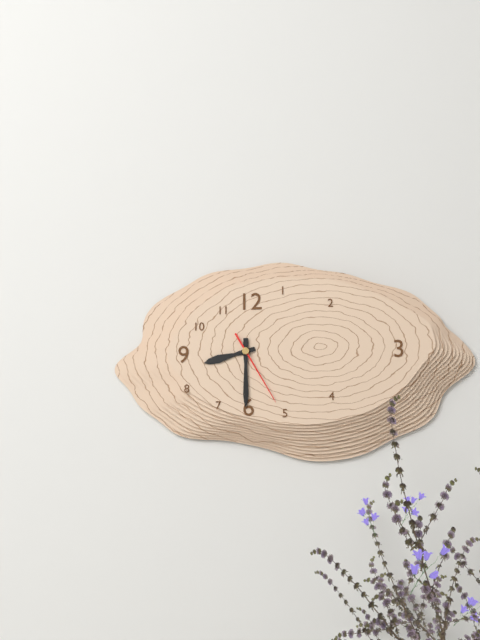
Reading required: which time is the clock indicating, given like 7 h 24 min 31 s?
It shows 8 h 30 min 25 s
